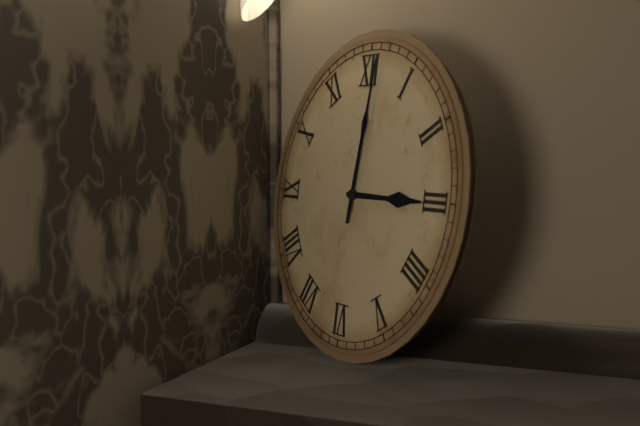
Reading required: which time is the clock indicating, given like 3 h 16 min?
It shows 3 h 01 min
